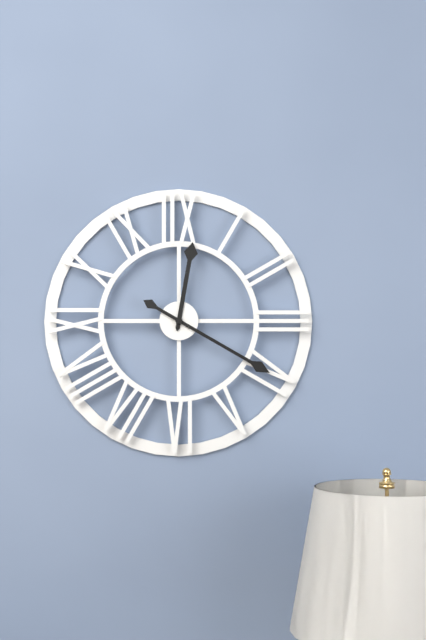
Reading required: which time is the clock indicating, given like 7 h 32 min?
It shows 12 h 20 min
